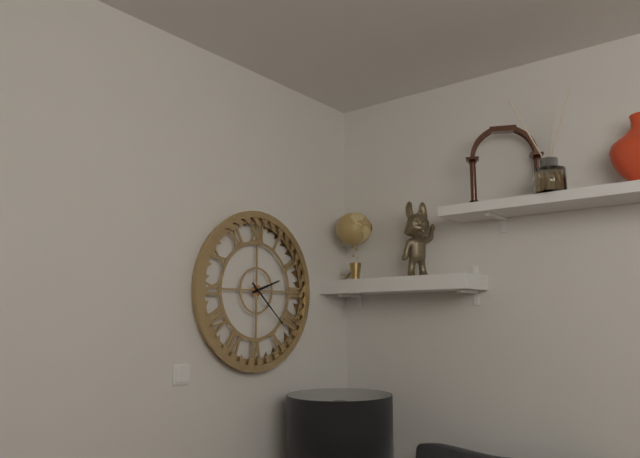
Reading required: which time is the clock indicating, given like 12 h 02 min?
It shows 2 h 22 min
